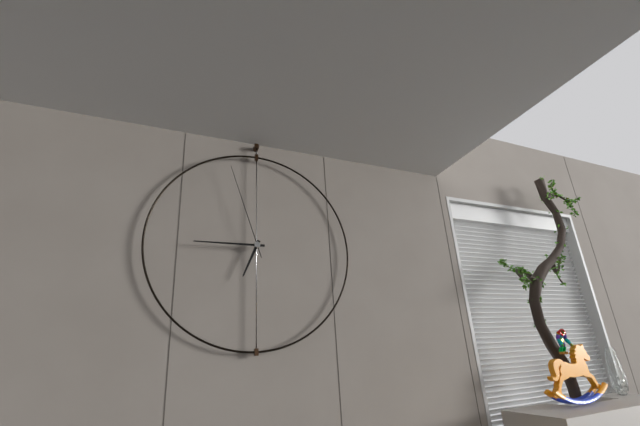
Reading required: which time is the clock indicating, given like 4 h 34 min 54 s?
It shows 6 h 45 min 57 s
